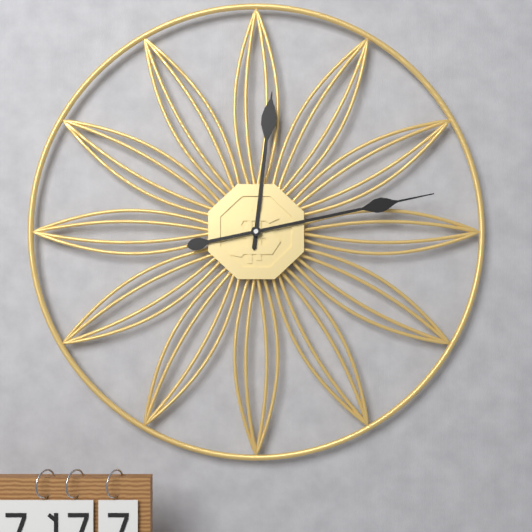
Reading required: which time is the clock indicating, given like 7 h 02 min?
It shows 12 h 13 min
